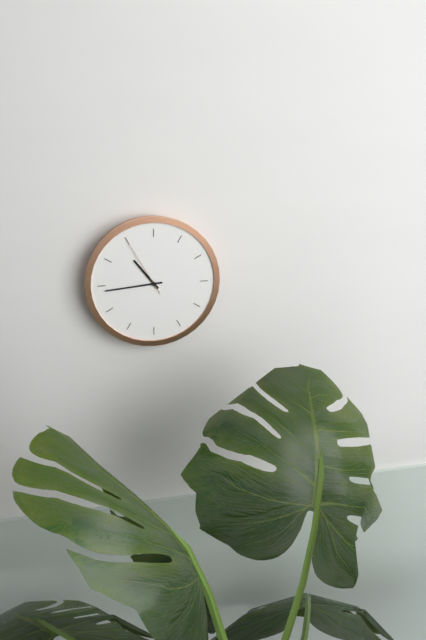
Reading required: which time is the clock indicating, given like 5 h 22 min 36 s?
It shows 10 h 44 min 55 s
